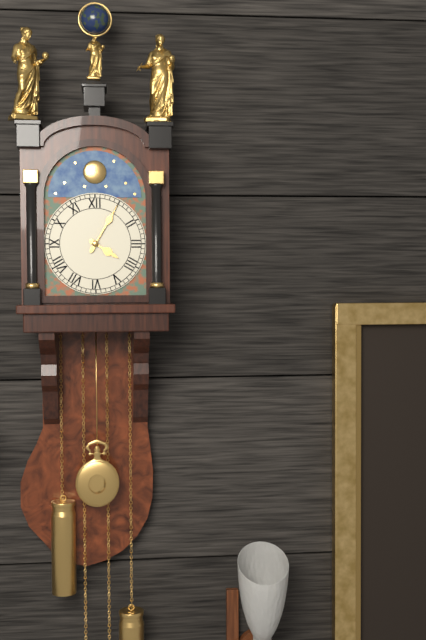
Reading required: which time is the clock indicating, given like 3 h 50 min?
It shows 4 h 05 min
